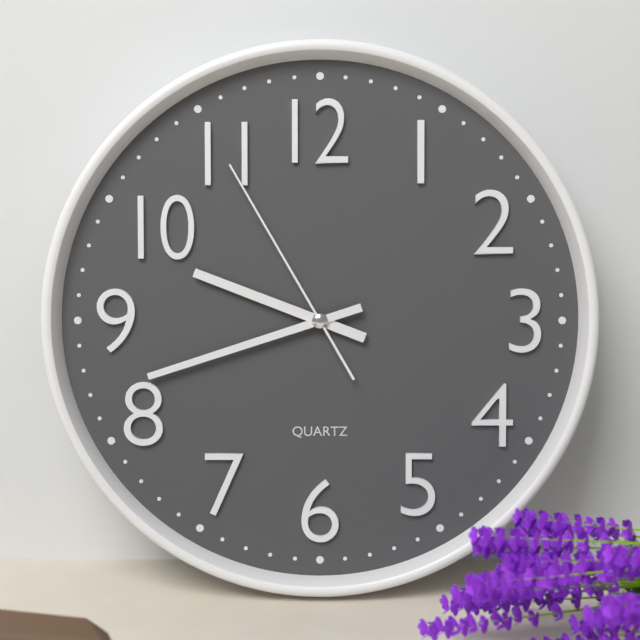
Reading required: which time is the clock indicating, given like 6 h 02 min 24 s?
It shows 9 h 42 min 55 s
